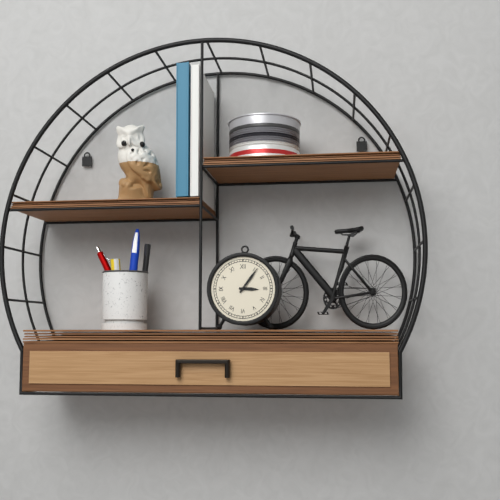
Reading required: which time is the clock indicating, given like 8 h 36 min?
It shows 3 h 06 min
